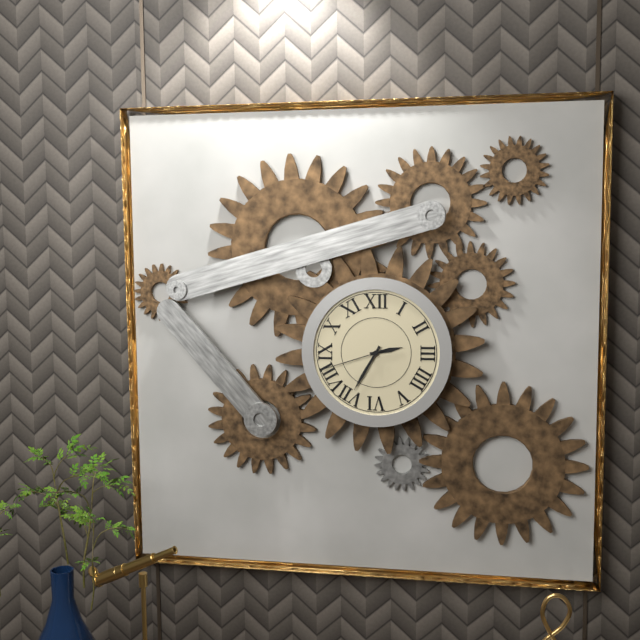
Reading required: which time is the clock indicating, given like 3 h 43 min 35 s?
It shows 2 h 35 min 42 s
